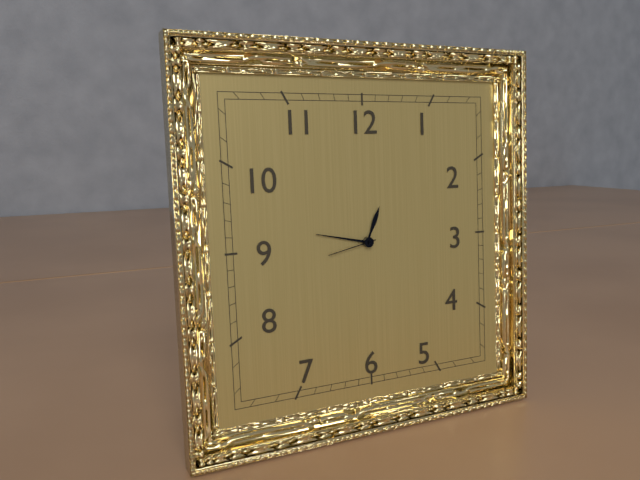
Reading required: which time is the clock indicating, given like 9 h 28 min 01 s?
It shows 12 h 47 min 43 s
